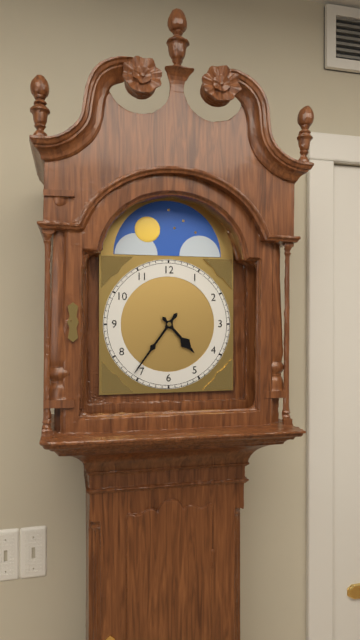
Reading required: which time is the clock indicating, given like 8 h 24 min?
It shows 4 h 36 min
